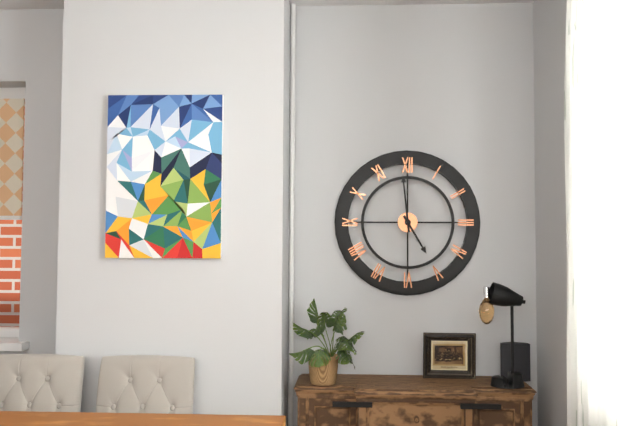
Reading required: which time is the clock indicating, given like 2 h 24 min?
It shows 4 h 59 min
